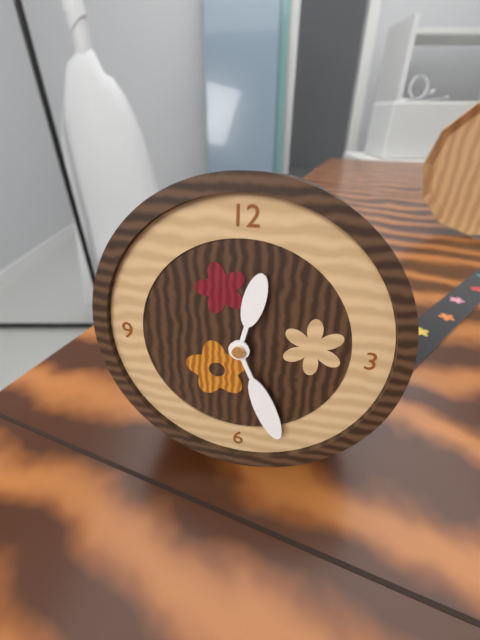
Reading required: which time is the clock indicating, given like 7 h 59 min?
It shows 12 h 26 min
